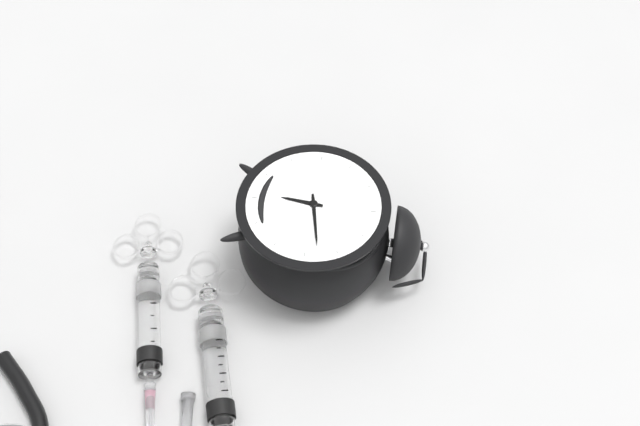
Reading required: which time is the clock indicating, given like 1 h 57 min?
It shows 6 h 13 min
